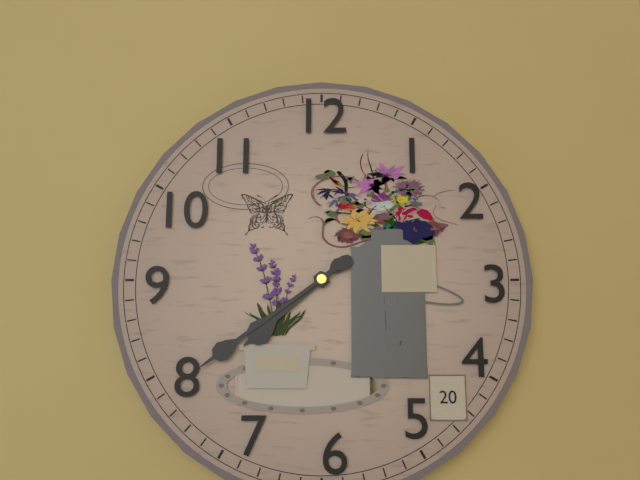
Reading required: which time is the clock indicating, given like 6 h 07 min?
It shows 7 h 39 min
